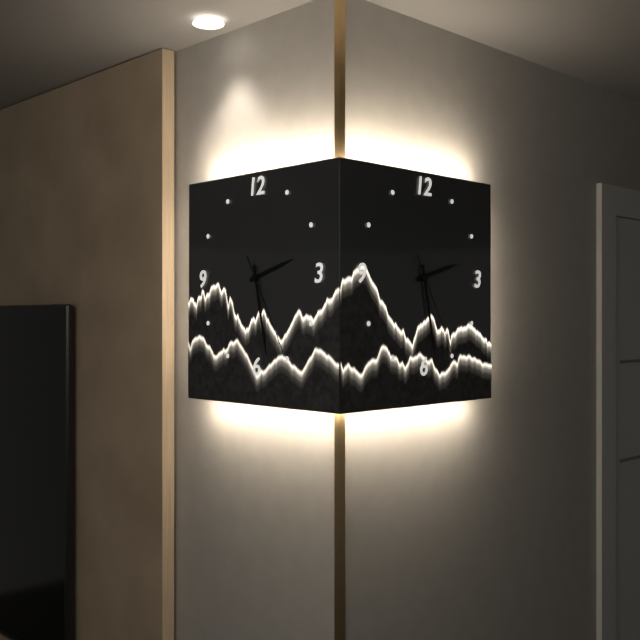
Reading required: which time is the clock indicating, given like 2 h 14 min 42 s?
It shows 2 h 28 min 25 s
